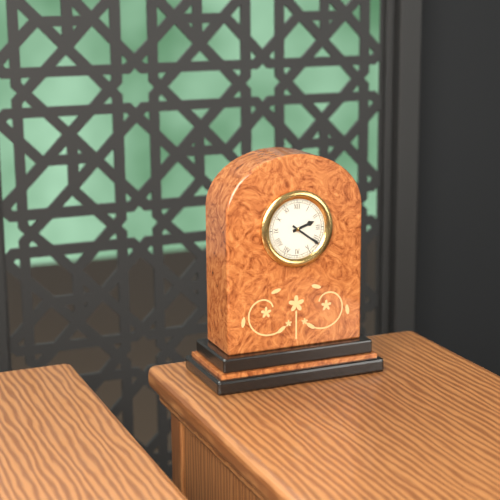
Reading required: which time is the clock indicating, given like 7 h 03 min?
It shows 2 h 21 min
